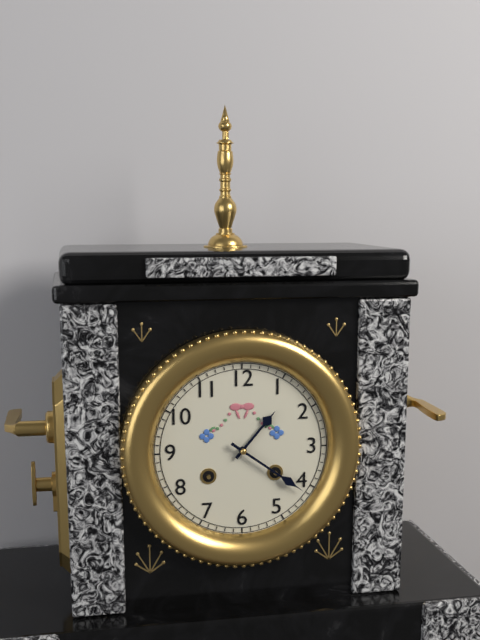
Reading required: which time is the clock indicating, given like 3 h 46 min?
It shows 1 h 21 min
